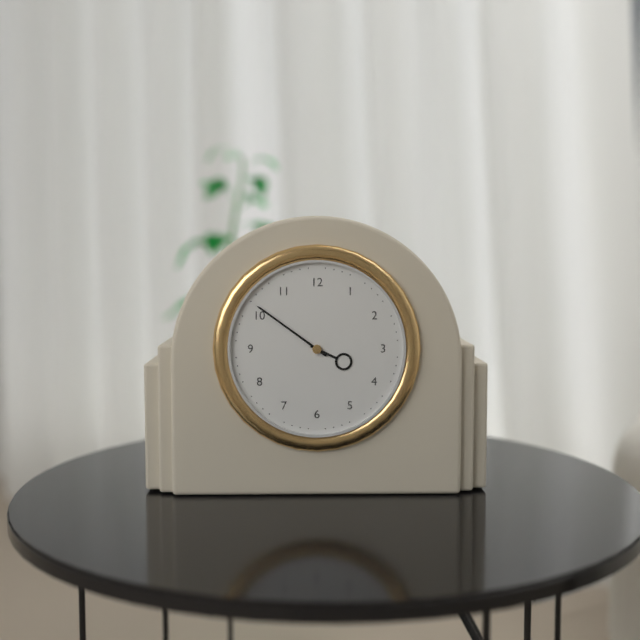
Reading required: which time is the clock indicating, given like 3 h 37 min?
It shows 3 h 51 min
